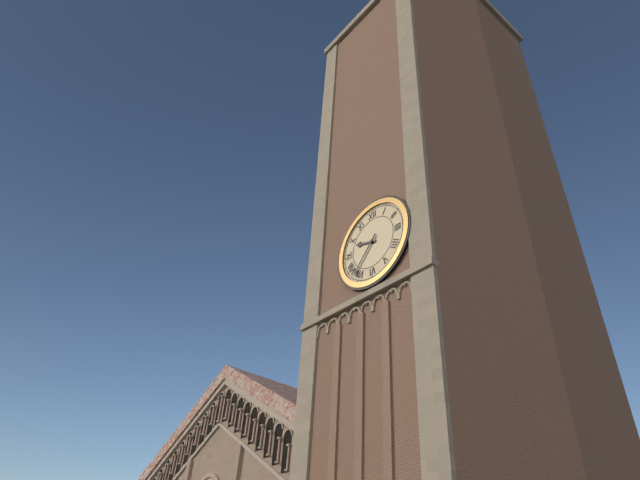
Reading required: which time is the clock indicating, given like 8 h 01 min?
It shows 9 h 37 min
